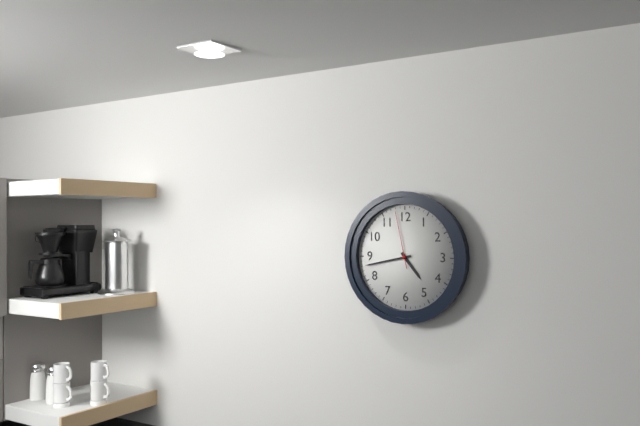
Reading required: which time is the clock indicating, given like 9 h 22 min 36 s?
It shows 4 h 43 min 58 s
